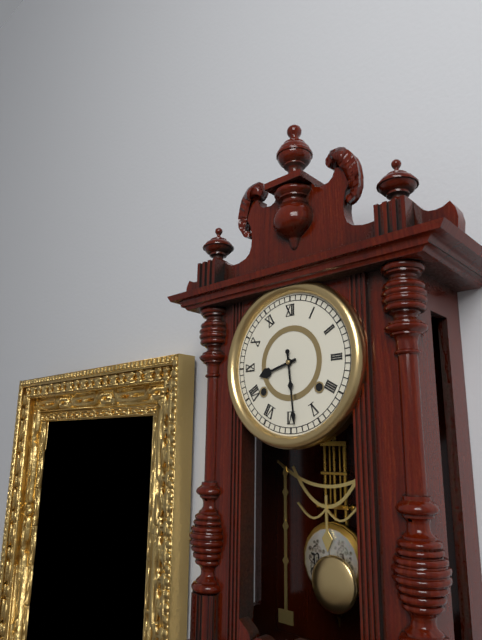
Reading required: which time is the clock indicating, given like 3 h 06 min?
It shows 8 h 29 min
